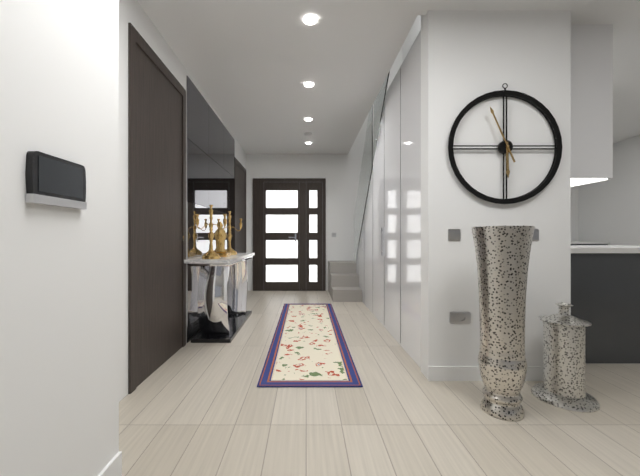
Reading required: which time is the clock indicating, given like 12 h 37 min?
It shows 5 h 56 min
